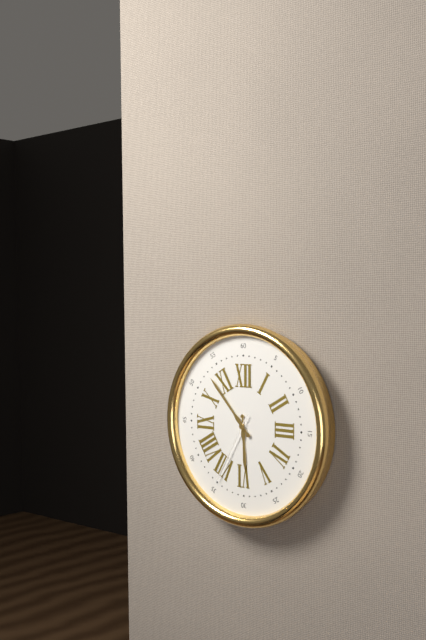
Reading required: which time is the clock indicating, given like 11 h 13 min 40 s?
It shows 5 h 53 min 35 s
